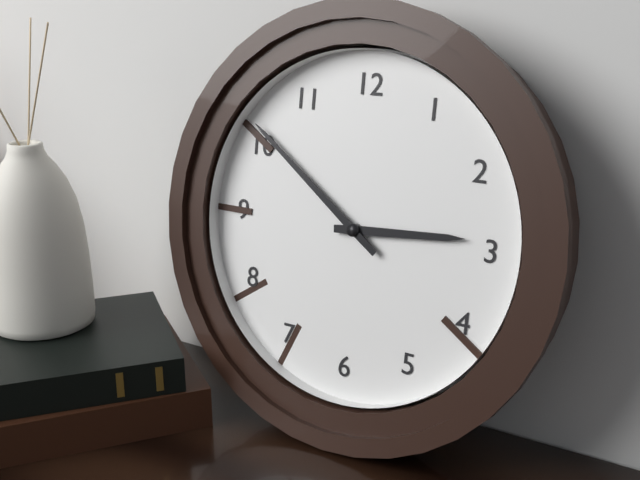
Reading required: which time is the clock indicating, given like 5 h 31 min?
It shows 2 h 51 min
